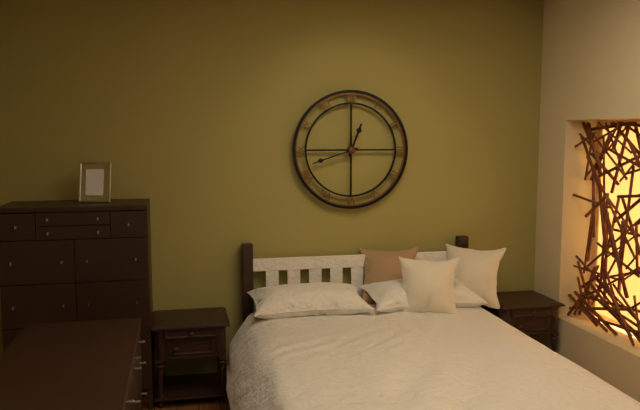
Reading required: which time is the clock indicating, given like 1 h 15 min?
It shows 12 h 42 min
